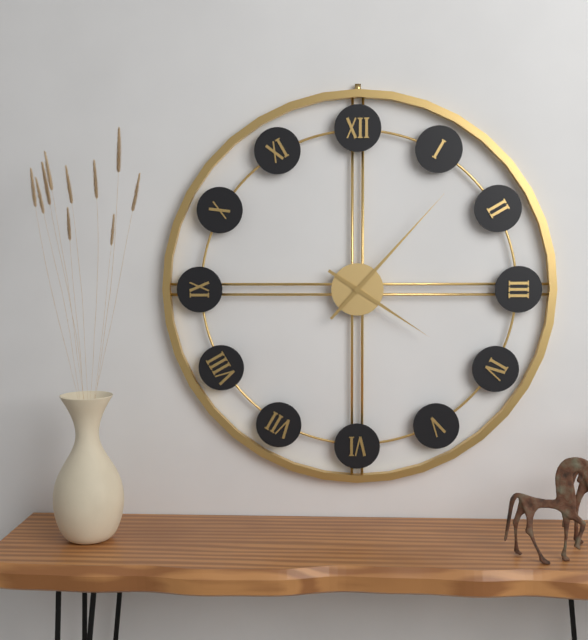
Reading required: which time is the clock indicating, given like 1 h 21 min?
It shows 4 h 07 min
